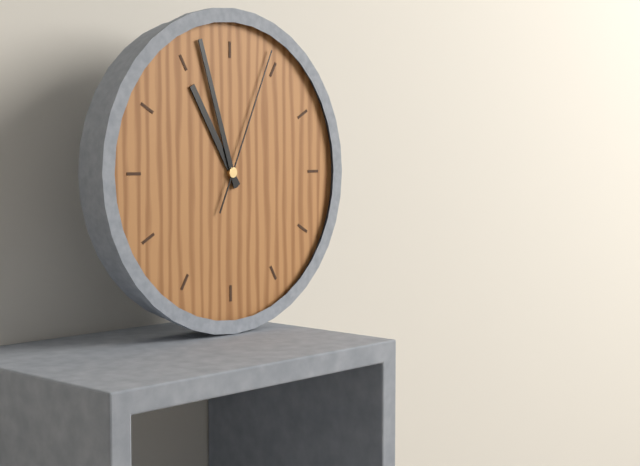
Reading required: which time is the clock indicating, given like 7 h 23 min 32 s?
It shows 10 h 57 min 04 s
